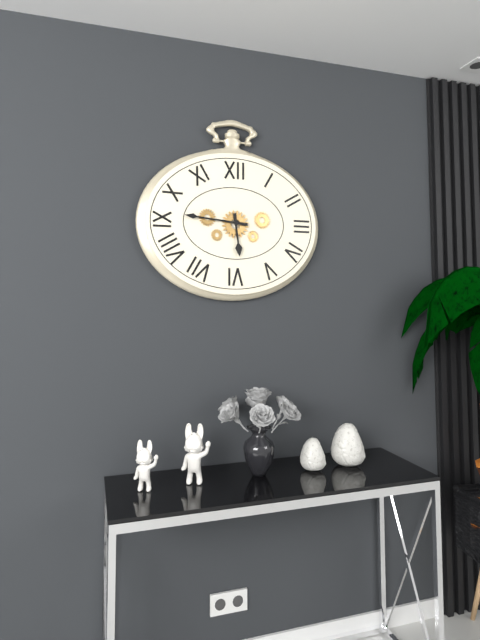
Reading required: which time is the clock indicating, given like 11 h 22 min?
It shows 5 h 46 min
